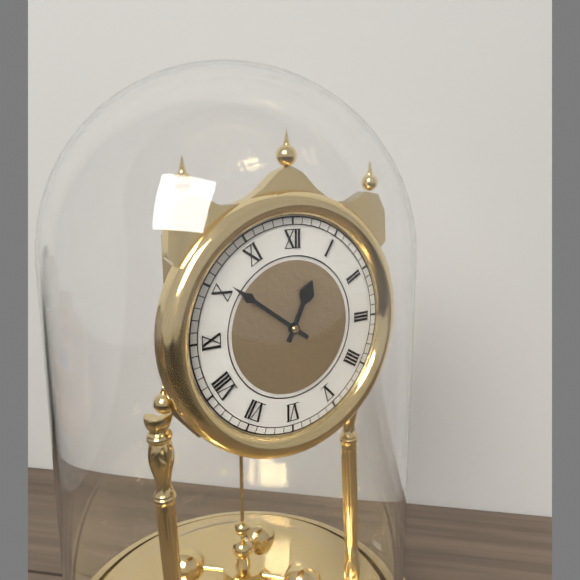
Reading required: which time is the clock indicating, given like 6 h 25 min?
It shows 12 h 51 min
